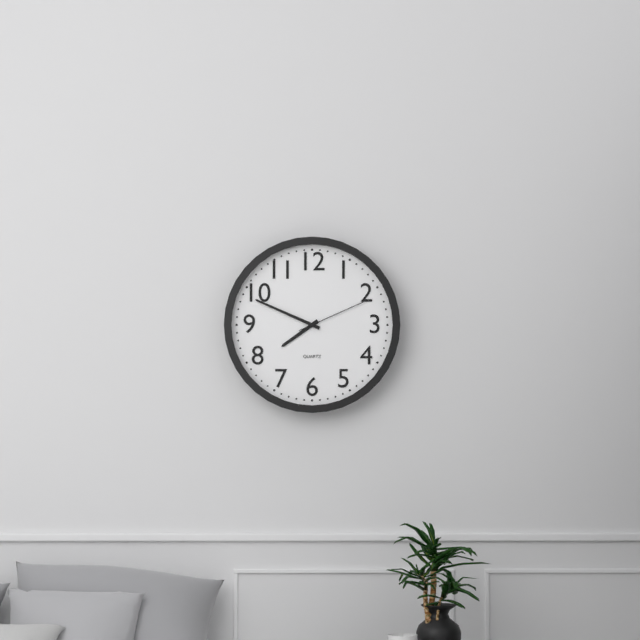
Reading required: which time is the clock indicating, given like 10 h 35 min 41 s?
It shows 7 h 49 min 11 s
